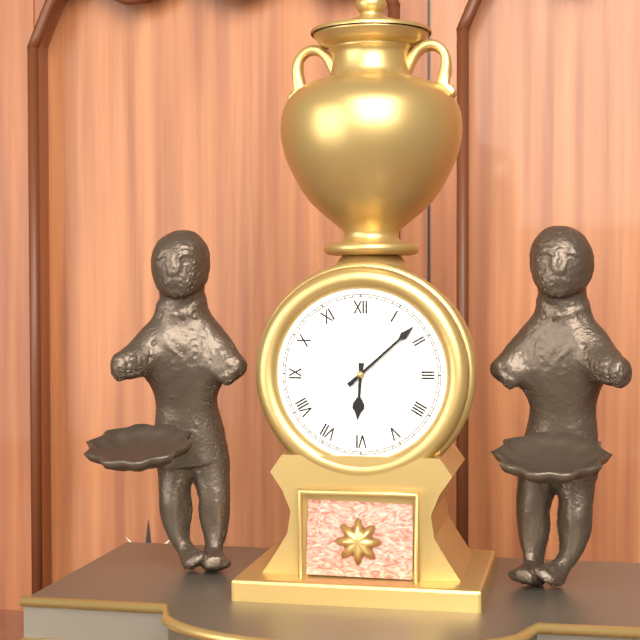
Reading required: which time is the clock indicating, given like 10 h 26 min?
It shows 6 h 08 min
